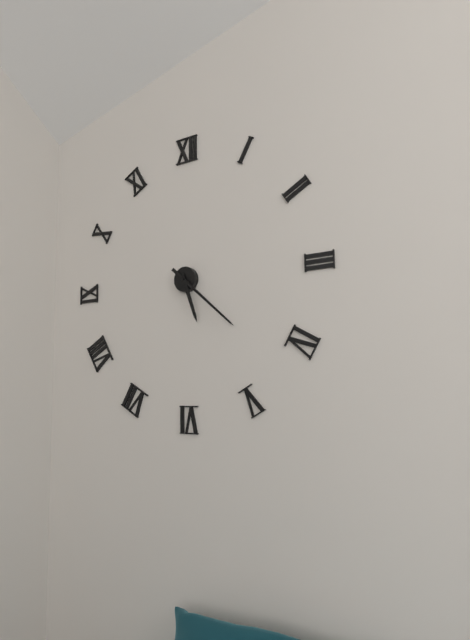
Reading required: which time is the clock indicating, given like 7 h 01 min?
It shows 5 h 22 min
